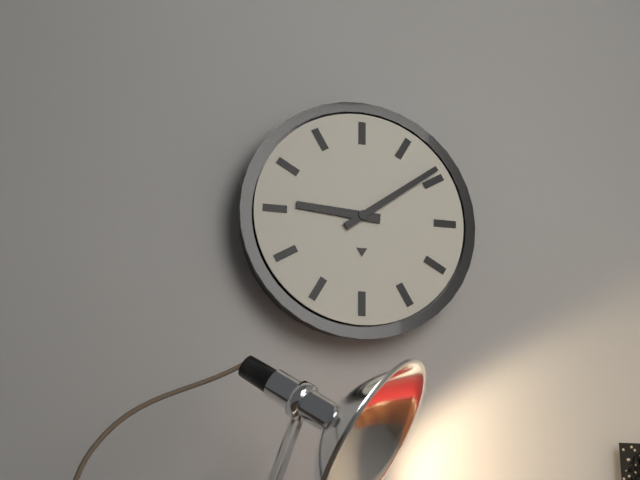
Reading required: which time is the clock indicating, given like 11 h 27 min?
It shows 9 h 09 min
